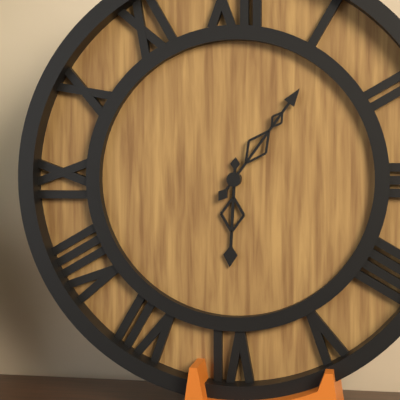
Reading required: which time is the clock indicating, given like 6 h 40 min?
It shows 6 h 06 min
